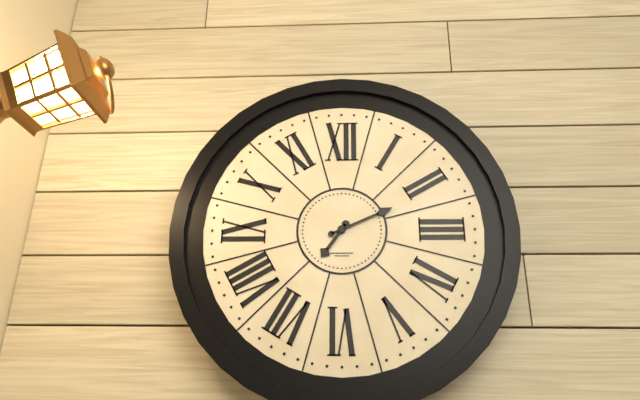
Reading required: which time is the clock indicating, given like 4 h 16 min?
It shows 7 h 11 min
